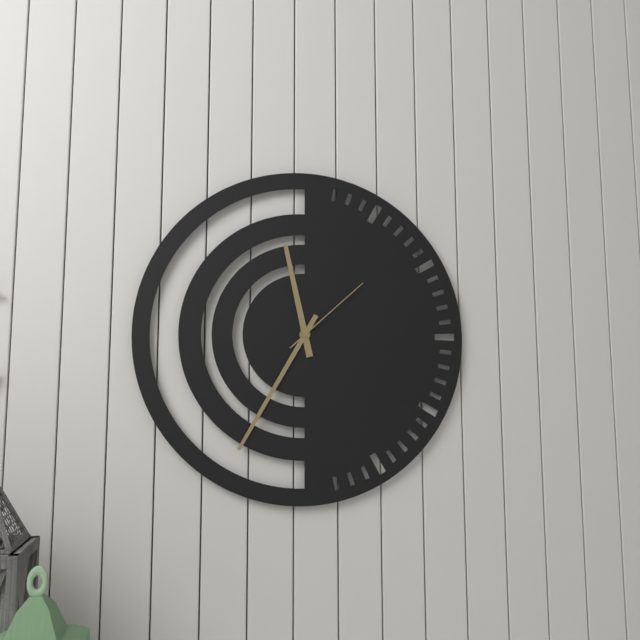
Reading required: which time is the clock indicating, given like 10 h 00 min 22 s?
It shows 11 h 35 min 08 s
